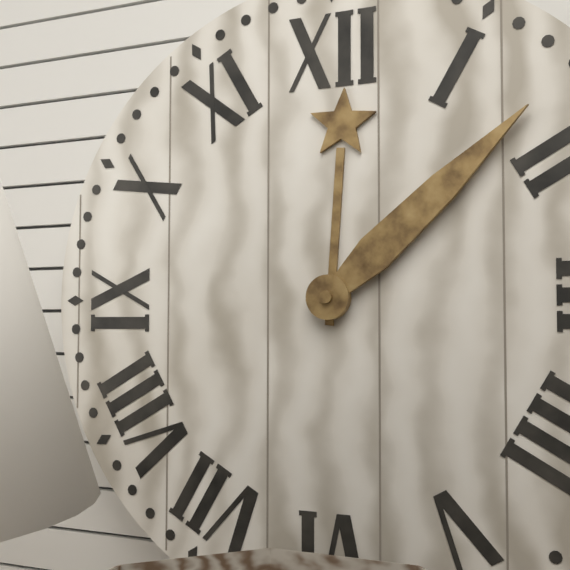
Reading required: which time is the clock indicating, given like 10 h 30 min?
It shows 12 h 08 min
